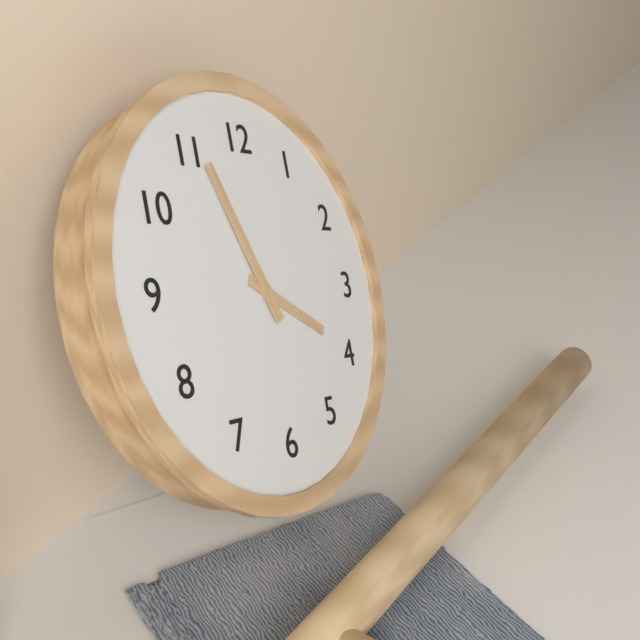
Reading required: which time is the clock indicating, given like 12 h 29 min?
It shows 3 h 56 min
